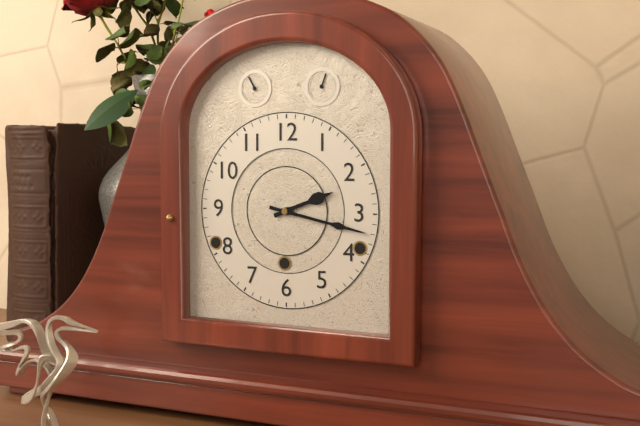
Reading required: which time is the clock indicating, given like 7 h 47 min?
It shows 2 h 17 min
